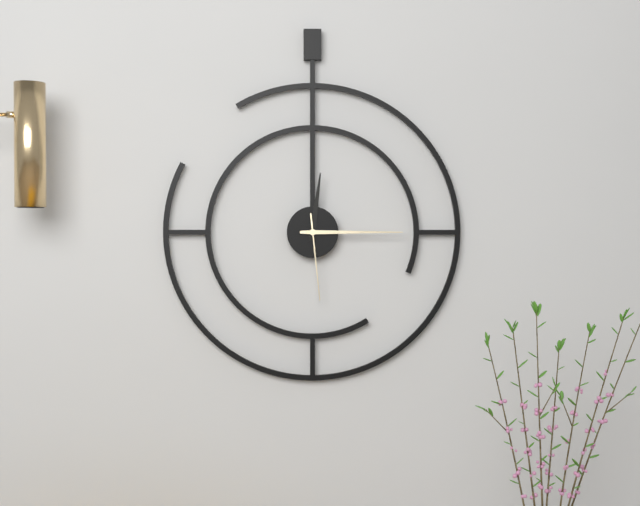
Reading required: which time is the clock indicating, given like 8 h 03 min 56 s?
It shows 12 h 15 min 29 s
